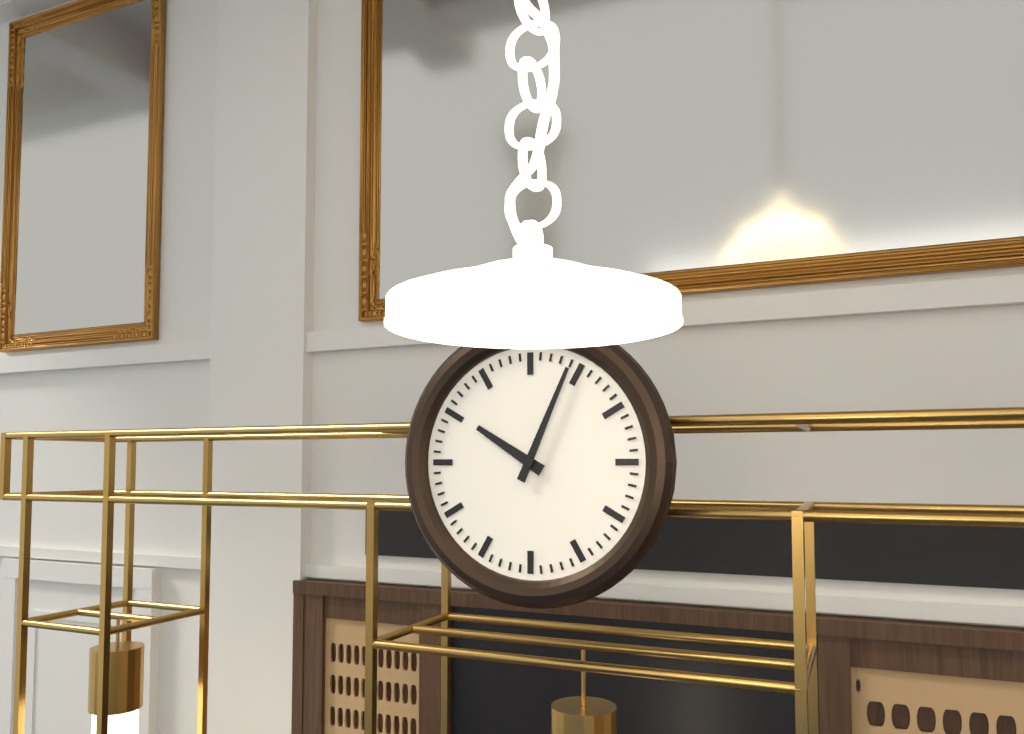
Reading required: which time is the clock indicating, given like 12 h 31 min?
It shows 10 h 04 min
